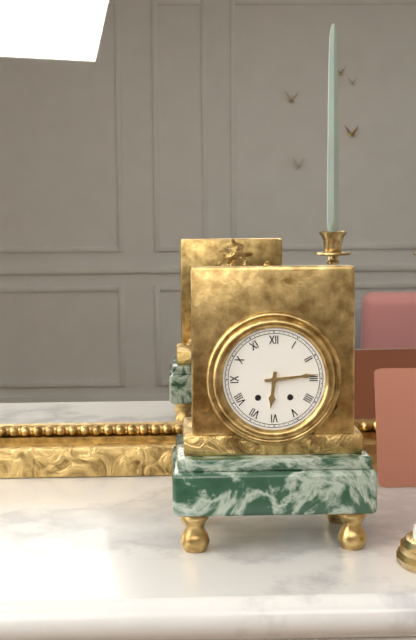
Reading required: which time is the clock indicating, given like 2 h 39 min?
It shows 6 h 14 min
